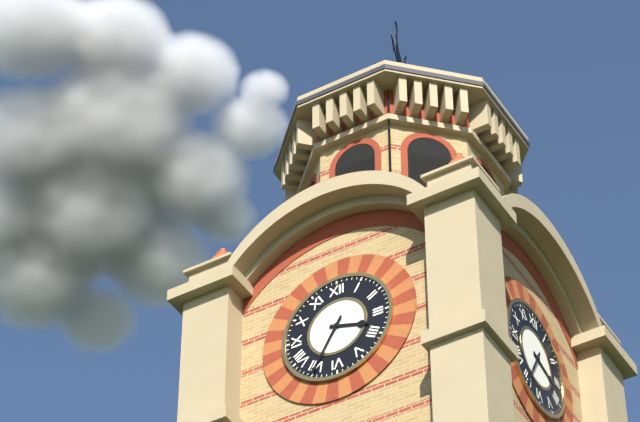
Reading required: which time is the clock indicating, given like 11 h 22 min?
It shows 3 h 35 min
